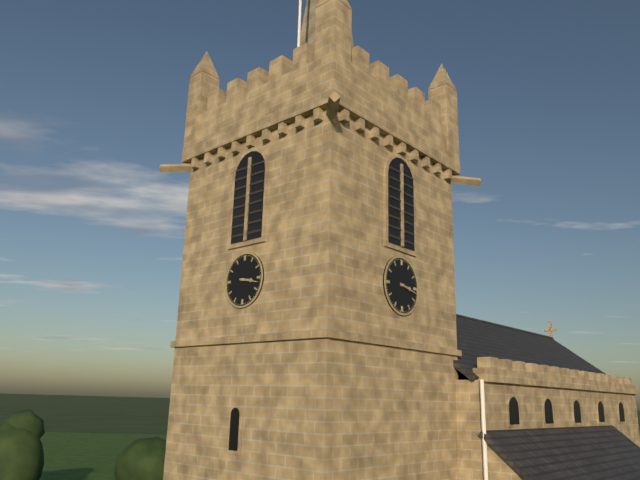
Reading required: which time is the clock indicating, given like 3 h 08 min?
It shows 3 h 17 min
